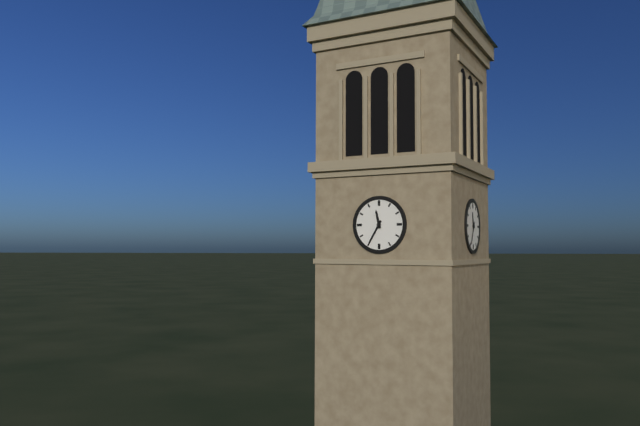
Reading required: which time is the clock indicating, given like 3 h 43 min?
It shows 11 h 35 min
